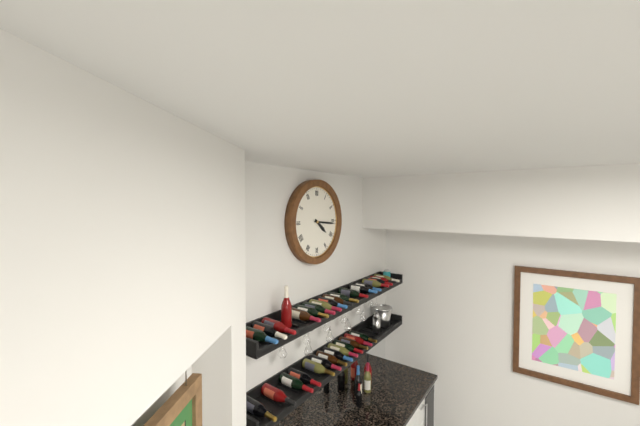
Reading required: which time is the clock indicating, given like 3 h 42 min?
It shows 4 h 16 min
